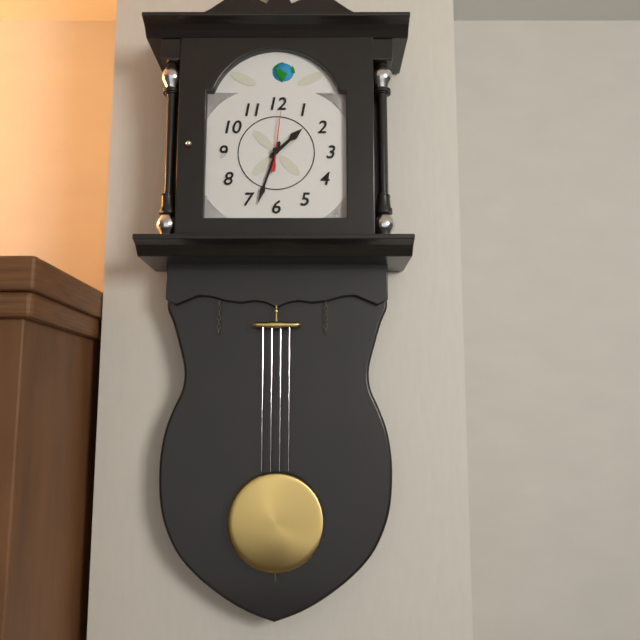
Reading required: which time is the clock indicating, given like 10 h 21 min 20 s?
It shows 1 h 33 min 01 s
